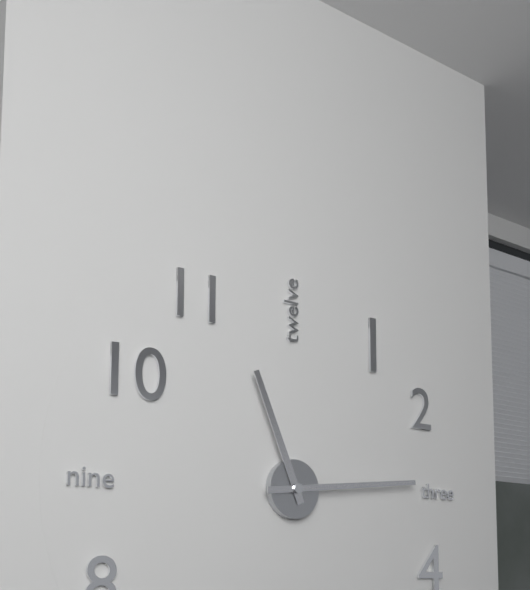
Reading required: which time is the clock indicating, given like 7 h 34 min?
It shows 11 h 14 min
